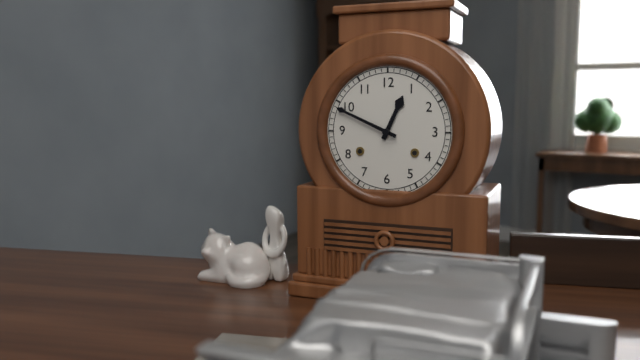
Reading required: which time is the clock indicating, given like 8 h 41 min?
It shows 12 h 49 min
